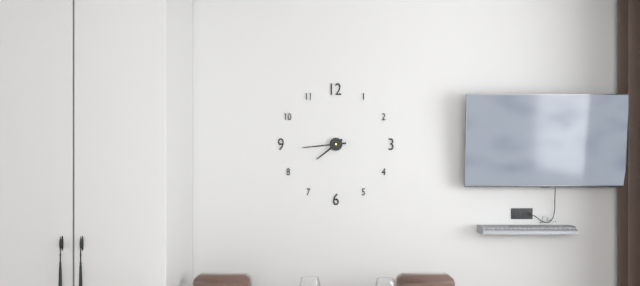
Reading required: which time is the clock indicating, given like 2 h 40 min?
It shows 7 h 44 min
